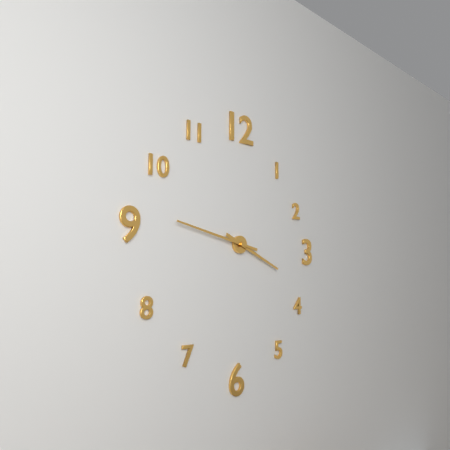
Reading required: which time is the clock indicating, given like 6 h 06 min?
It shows 3 h 47 min
